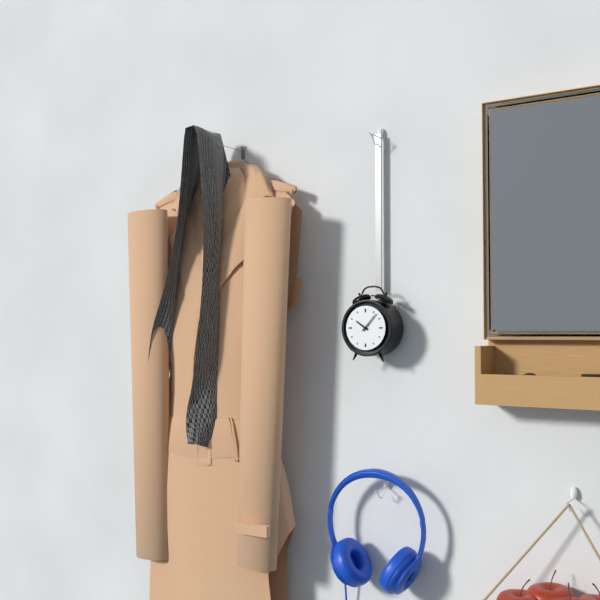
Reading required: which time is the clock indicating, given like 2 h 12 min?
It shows 10 h 07 min
